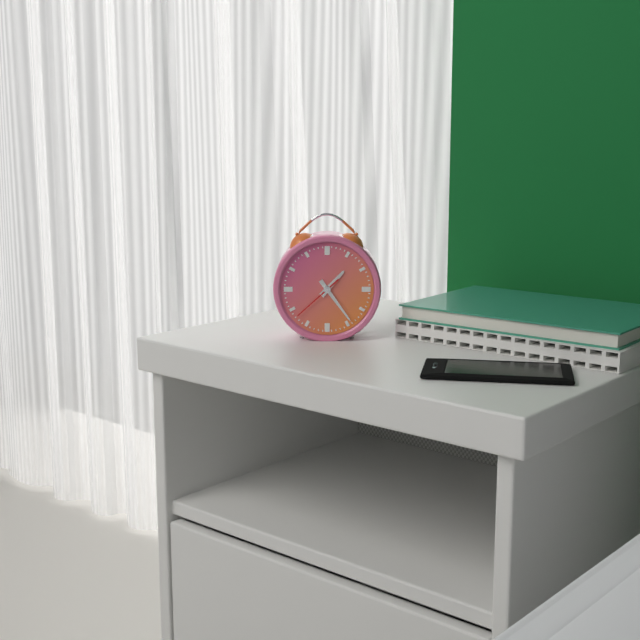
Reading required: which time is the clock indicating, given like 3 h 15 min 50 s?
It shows 1 h 24 min 38 s
